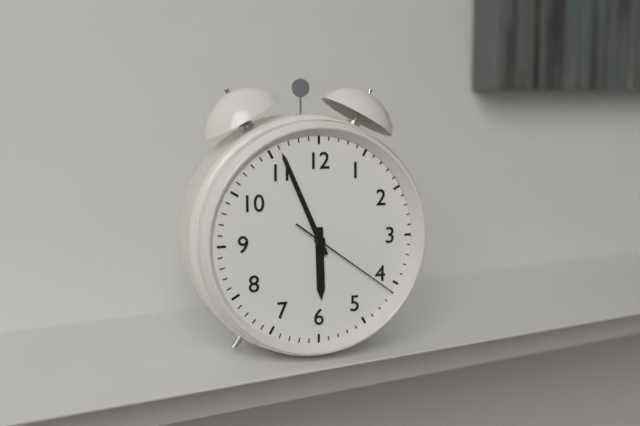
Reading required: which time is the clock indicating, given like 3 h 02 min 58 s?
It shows 5 h 56 min 21 s
